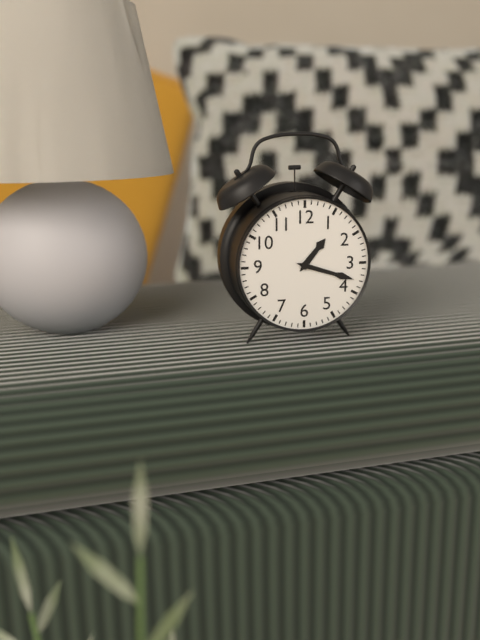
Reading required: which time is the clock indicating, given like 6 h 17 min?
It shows 1 h 18 min
